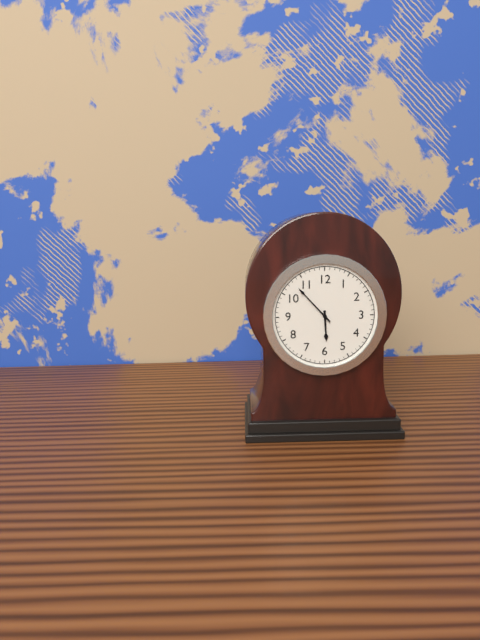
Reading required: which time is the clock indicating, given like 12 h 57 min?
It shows 5 h 53 min
